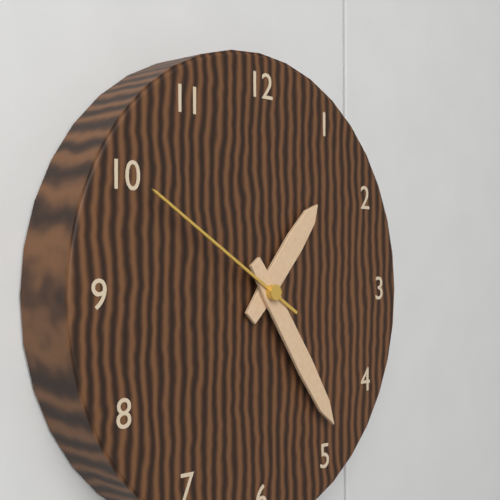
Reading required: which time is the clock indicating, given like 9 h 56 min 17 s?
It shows 1 h 24 min 50 s
